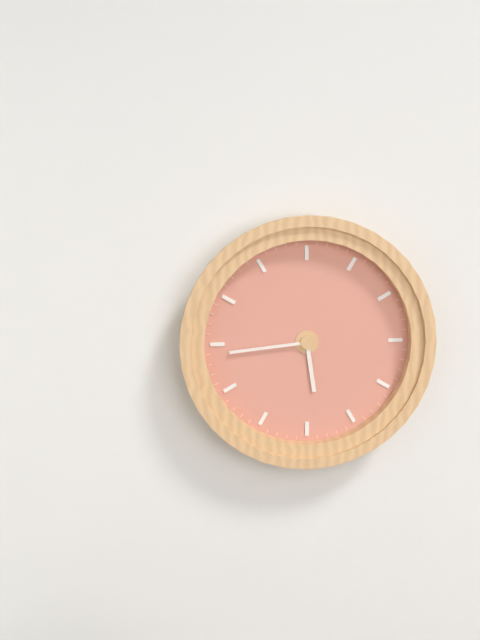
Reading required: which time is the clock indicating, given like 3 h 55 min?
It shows 5 h 44 min
